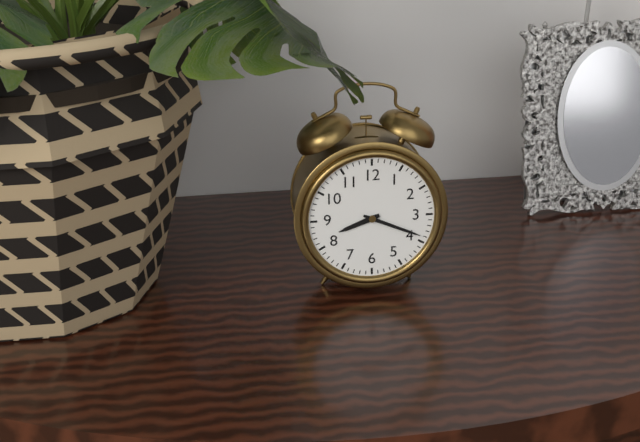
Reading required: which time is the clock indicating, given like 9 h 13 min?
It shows 8 h 19 min
